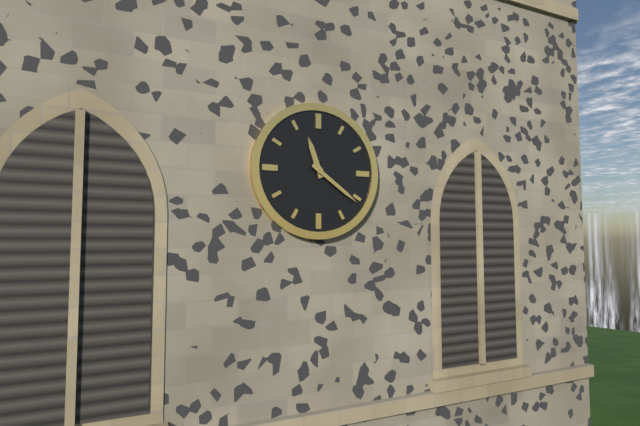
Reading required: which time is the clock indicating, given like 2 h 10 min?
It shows 11 h 21 min
